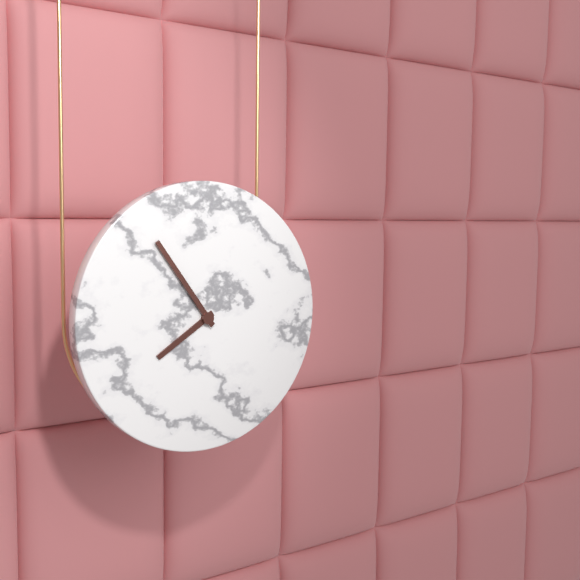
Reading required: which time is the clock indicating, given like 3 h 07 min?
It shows 7 h 54 min
